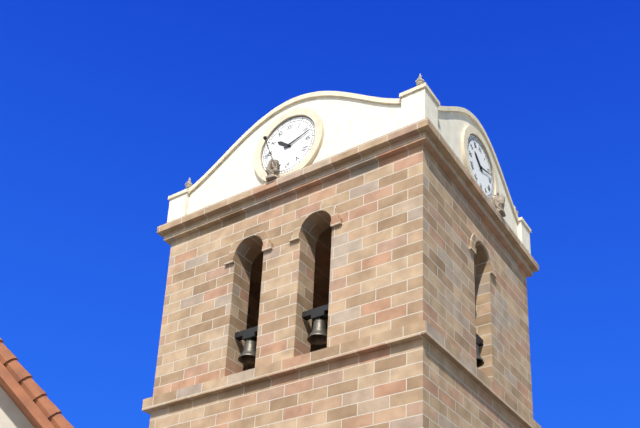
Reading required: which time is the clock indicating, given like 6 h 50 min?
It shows 10 h 12 min
